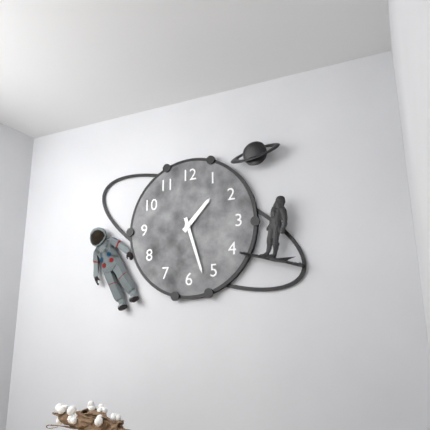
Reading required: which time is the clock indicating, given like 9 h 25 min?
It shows 1 h 27 min
